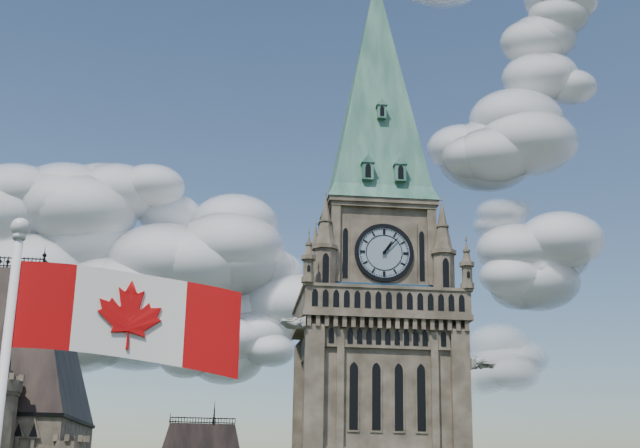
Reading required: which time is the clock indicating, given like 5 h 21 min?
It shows 1 h 07 min
